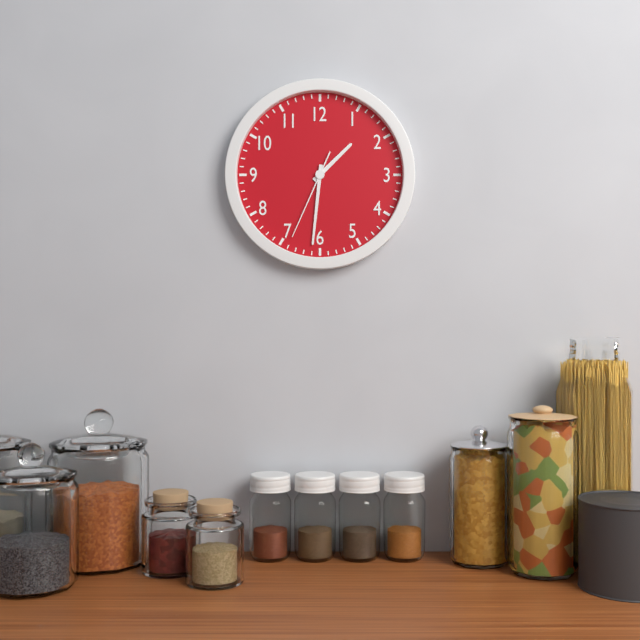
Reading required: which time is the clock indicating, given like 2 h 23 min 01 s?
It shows 1 h 31 min 34 s
